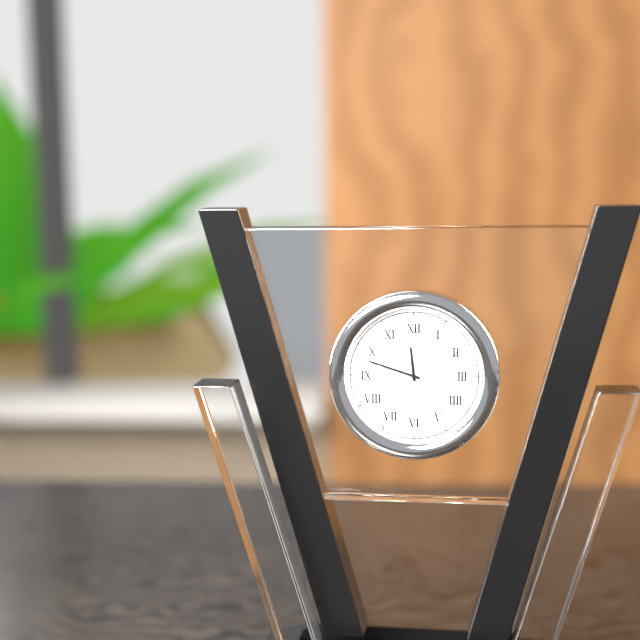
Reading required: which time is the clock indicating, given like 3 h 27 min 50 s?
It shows 11 h 48 min 10 s
